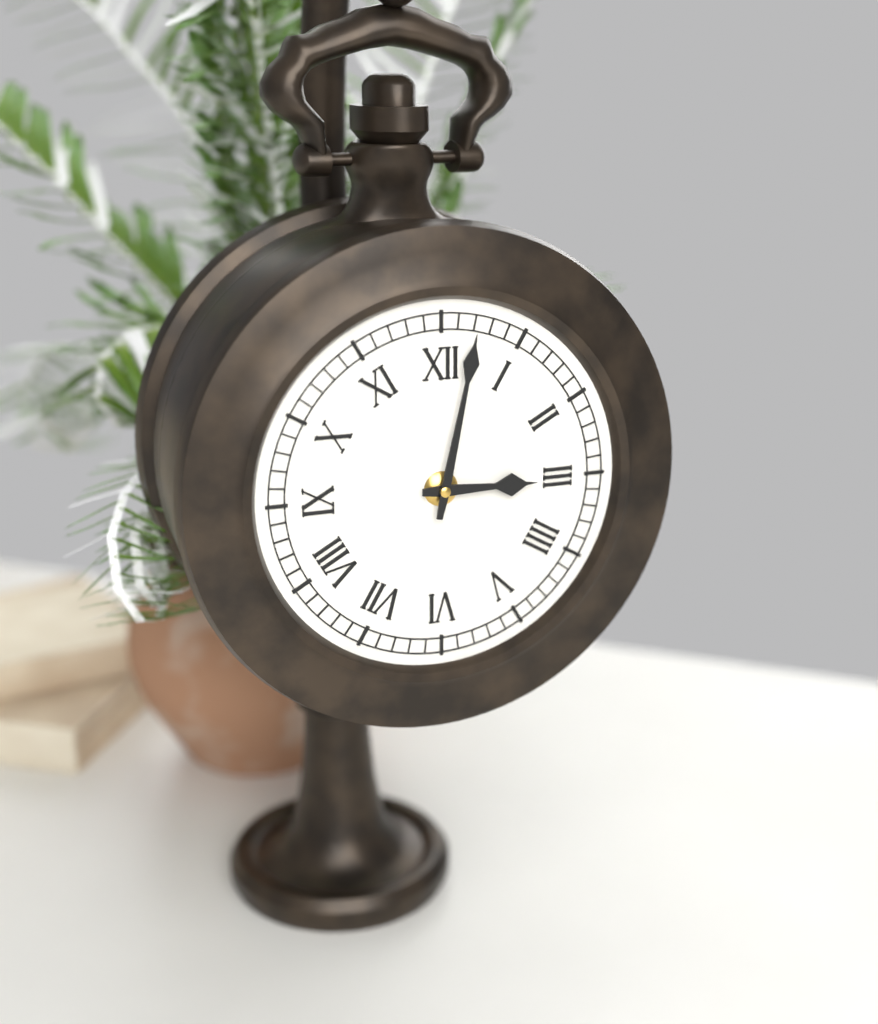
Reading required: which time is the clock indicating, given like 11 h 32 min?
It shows 3 h 02 min
